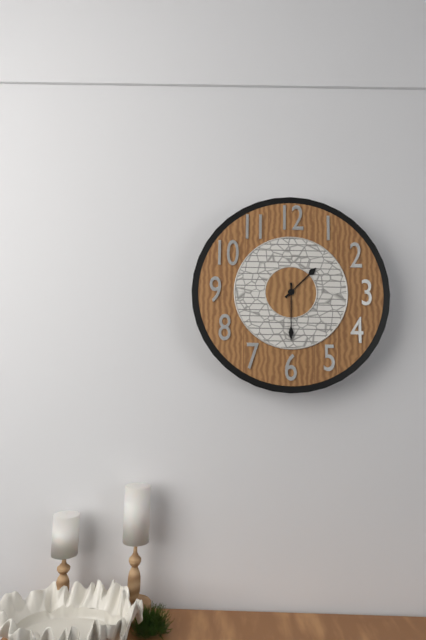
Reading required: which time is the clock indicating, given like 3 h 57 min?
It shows 1 h 30 min
